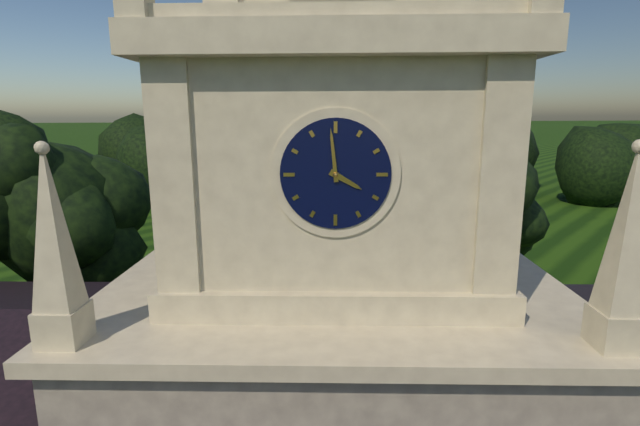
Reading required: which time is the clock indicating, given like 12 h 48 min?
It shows 3 h 59 min
